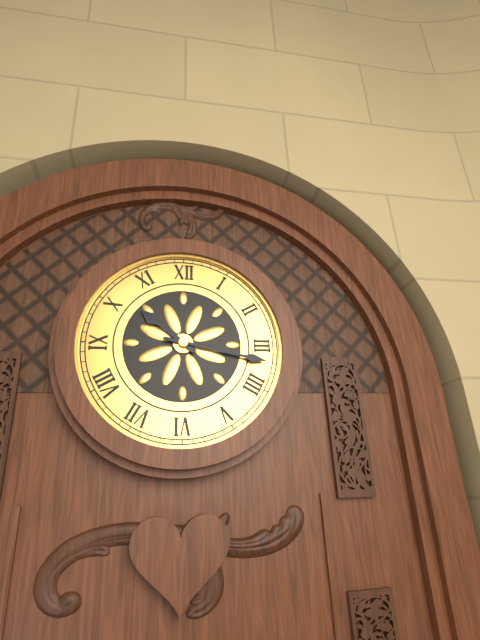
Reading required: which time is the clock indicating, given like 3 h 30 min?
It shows 10 h 17 min
